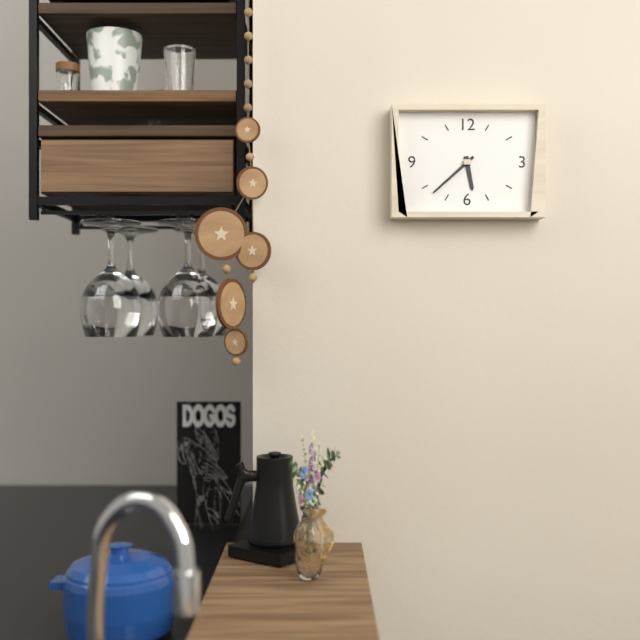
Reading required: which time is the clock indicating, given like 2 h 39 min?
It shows 5 h 38 min
